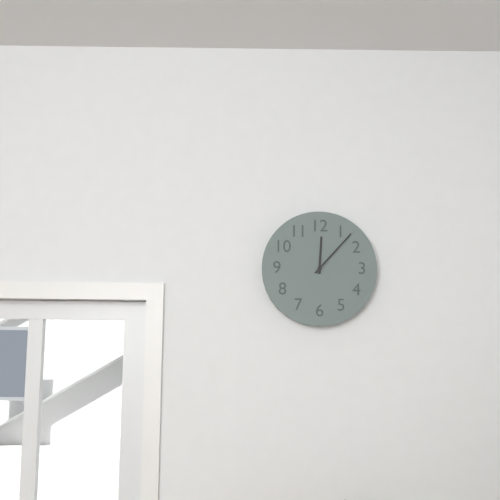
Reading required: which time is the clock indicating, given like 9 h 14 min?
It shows 12 h 07 min
